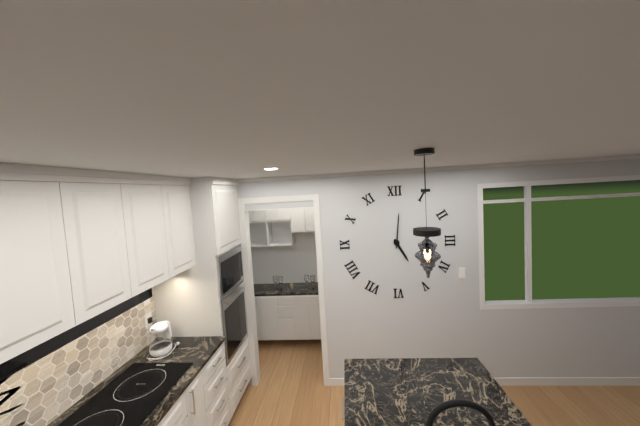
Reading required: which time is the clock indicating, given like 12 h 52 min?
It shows 5 h 01 min
